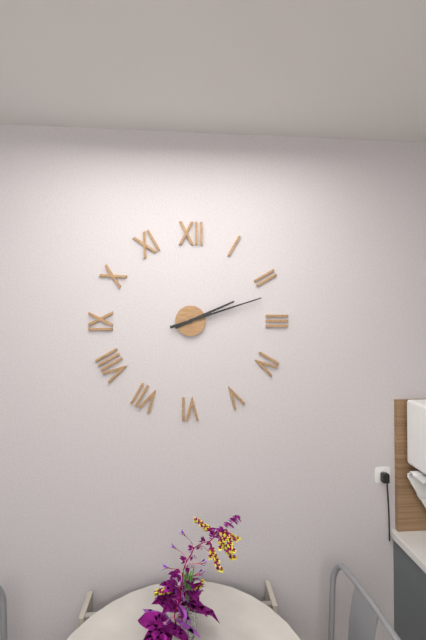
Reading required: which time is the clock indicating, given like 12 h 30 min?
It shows 2 h 12 min
